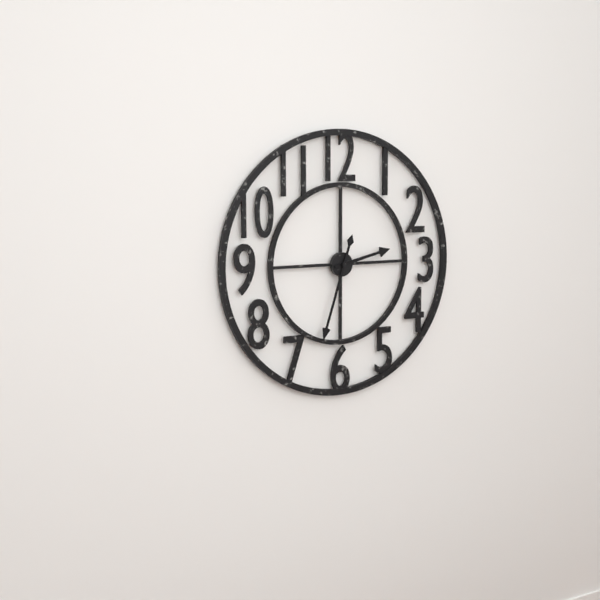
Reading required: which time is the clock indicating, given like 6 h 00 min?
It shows 2 h 33 min
